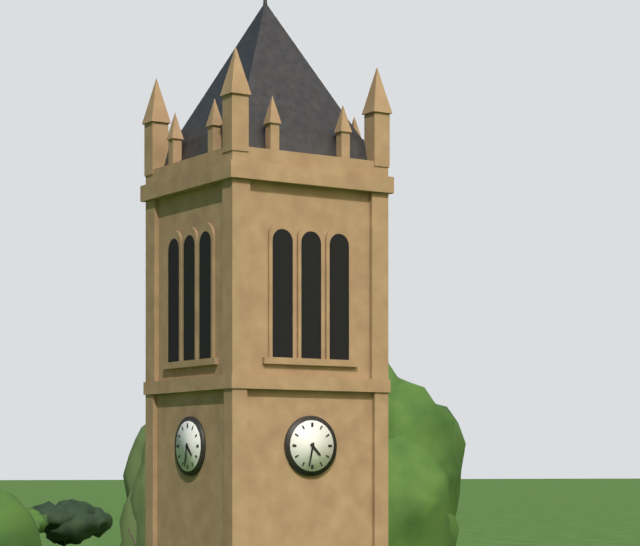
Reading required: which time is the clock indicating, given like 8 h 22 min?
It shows 4 h 32 min
